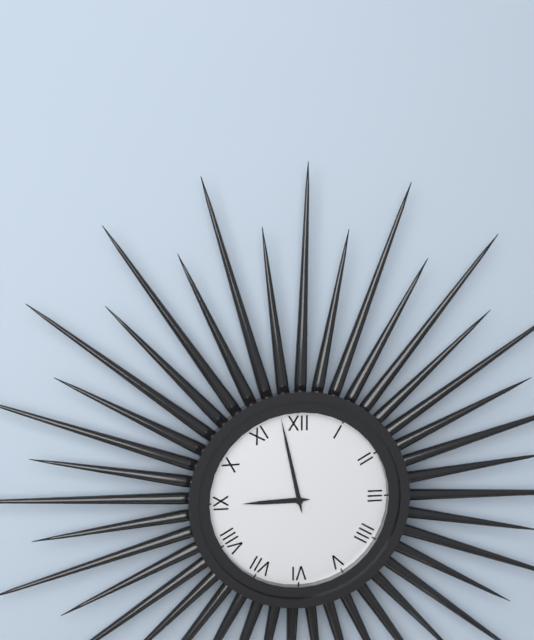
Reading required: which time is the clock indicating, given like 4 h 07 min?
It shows 8 h 58 min
